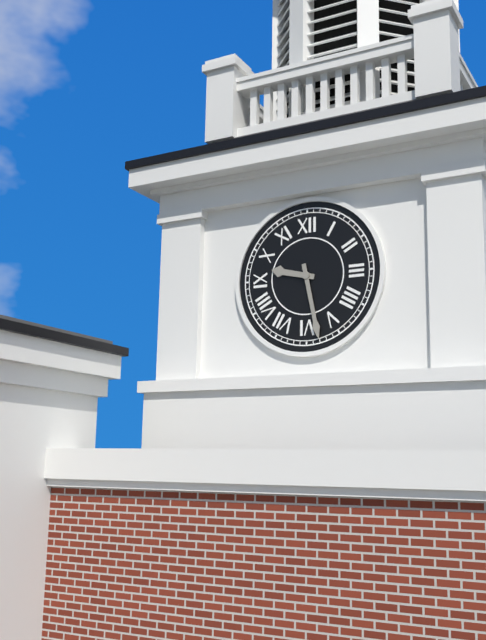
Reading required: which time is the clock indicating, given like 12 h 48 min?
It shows 9 h 28 min
